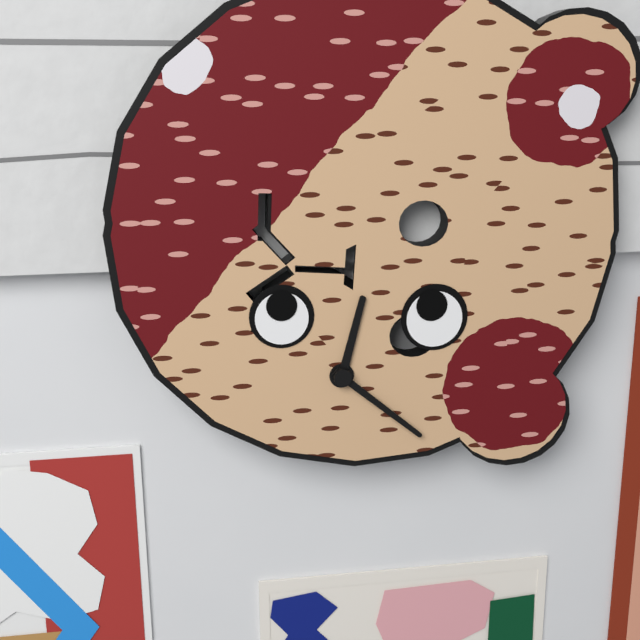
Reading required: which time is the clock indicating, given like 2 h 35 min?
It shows 12 h 21 min
